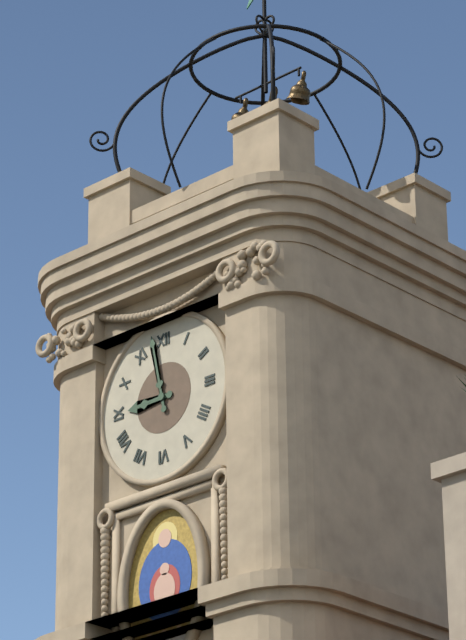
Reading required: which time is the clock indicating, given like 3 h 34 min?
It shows 8 h 58 min
